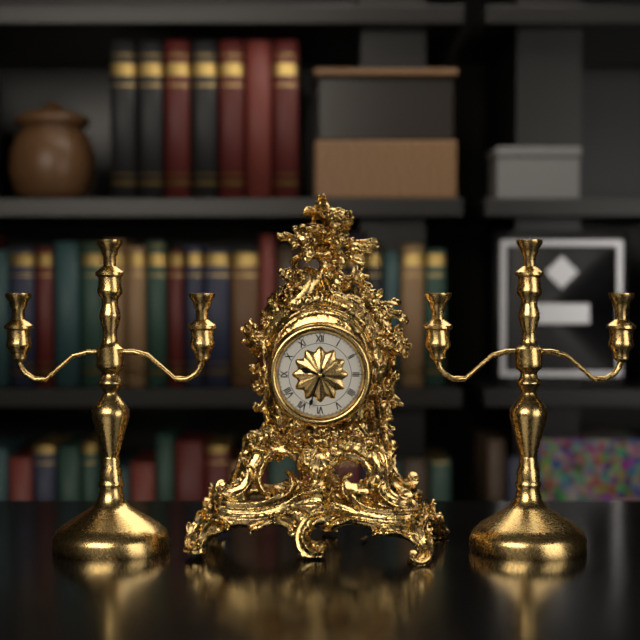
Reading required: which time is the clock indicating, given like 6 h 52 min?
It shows 9 h 33 min
